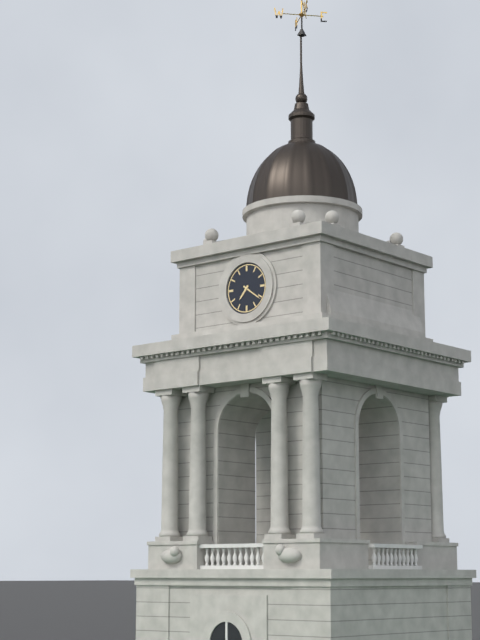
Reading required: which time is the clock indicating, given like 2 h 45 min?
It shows 7 h 21 min
